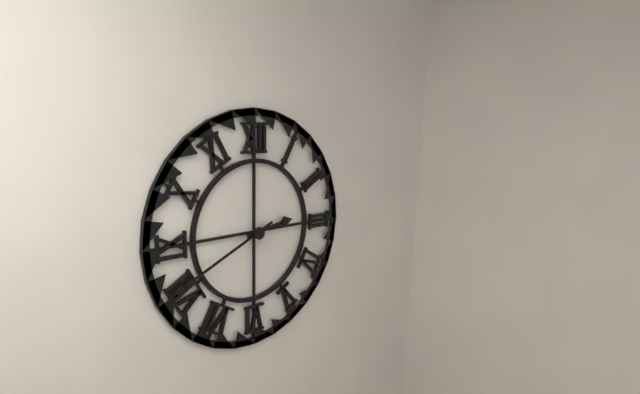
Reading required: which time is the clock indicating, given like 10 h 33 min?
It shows 2 h 41 min
